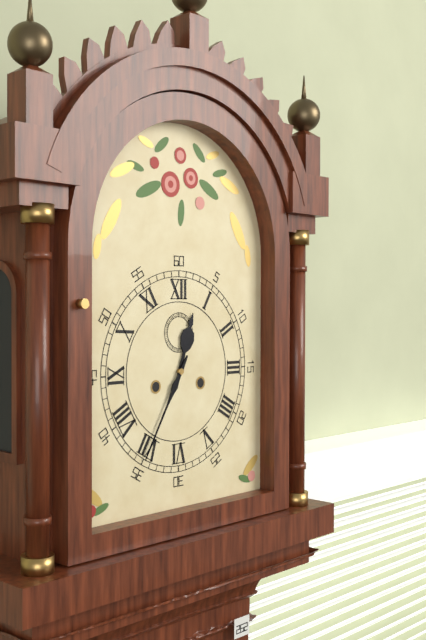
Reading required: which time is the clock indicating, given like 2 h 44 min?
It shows 12 h 35 min
